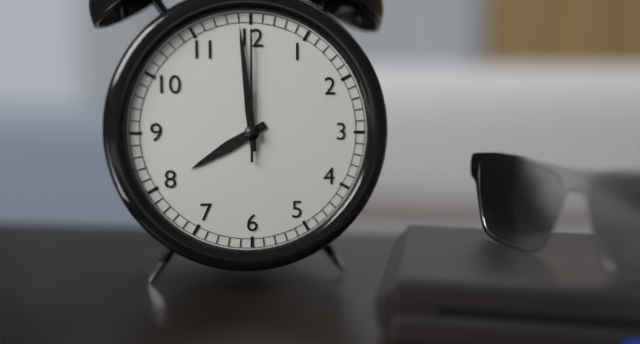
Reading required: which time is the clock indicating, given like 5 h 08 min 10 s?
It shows 7 h 59 min 00 s
